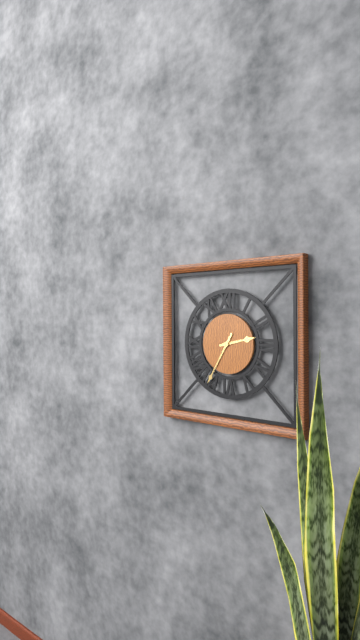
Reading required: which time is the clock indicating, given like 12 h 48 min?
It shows 2 h 35 min
